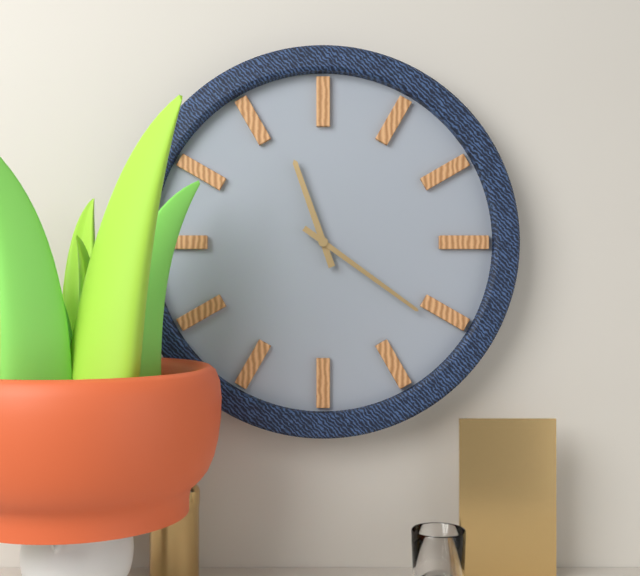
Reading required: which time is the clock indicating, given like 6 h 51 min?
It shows 11 h 21 min
